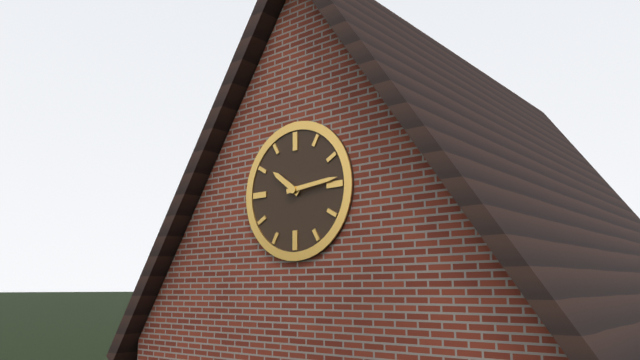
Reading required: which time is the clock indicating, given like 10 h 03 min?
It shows 10 h 14 min
